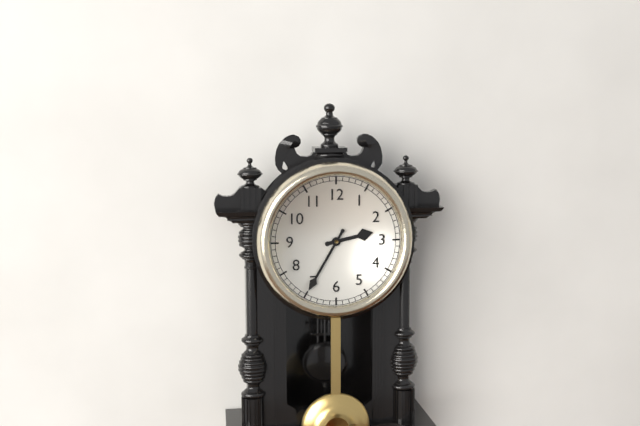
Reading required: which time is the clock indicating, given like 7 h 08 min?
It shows 2 h 35 min
